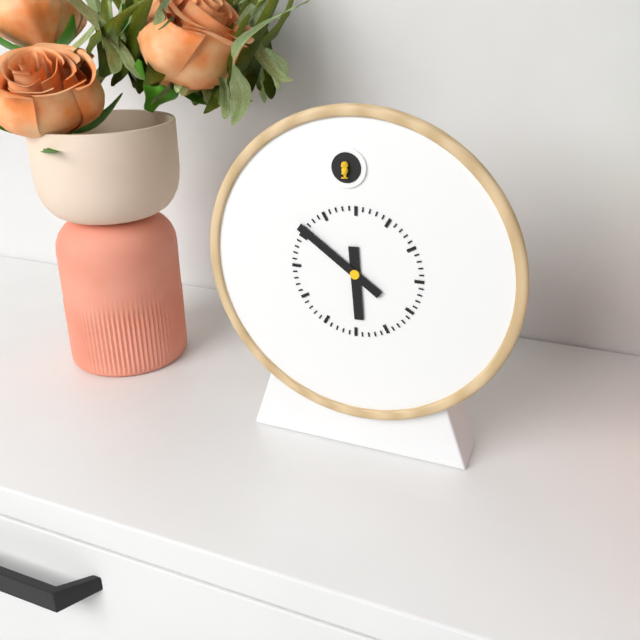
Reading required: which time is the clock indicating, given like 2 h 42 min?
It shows 5 h 51 min
